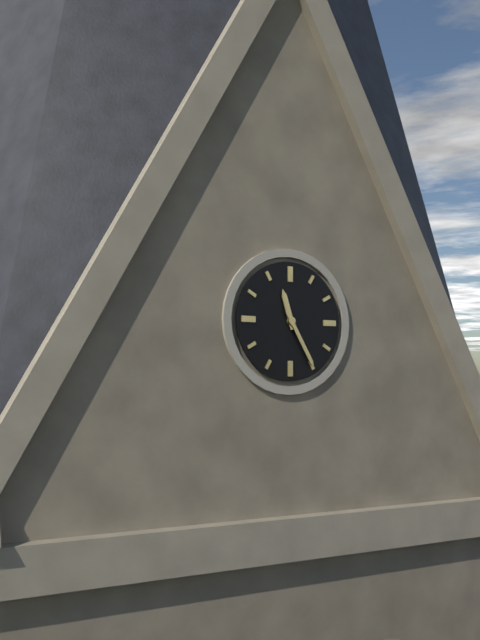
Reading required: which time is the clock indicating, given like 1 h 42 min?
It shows 11 h 25 min
